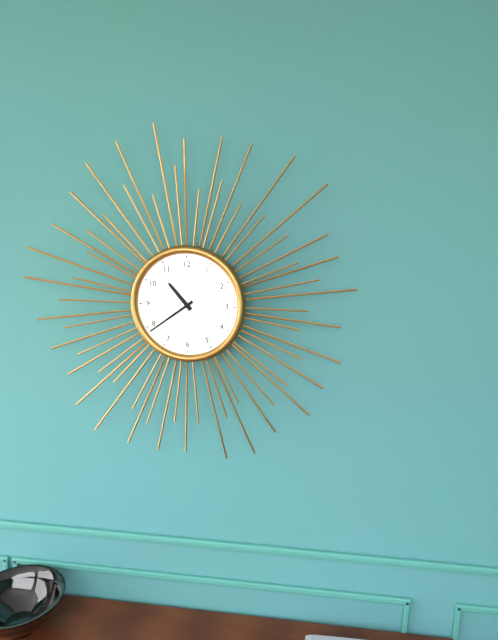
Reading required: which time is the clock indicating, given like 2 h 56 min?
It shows 10 h 39 min
